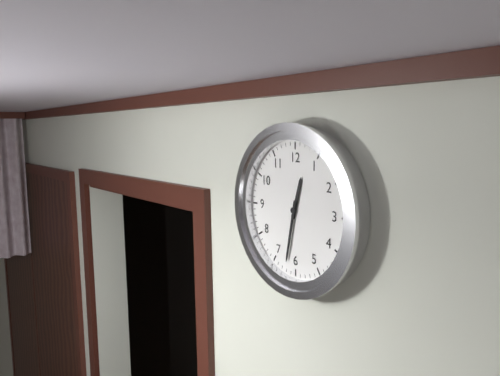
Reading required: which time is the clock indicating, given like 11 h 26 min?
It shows 12 h 32 min
